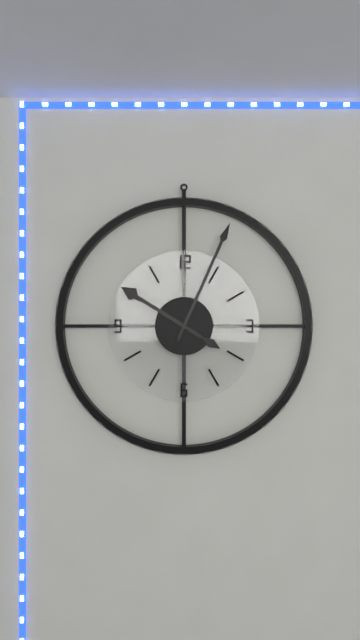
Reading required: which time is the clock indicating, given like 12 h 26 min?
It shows 10 h 04 min
